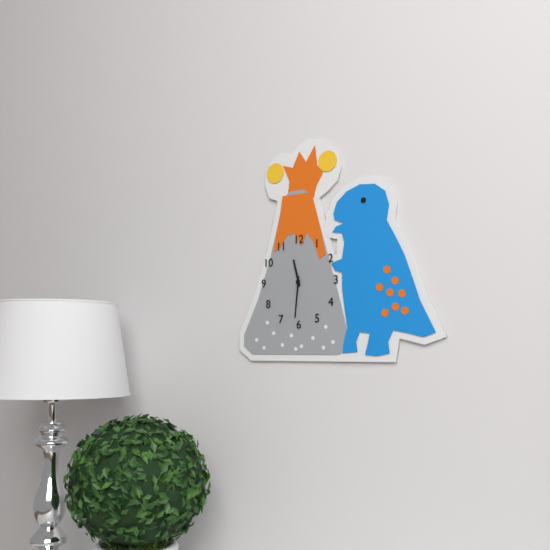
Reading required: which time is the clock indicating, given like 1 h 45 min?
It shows 11 h 31 min
